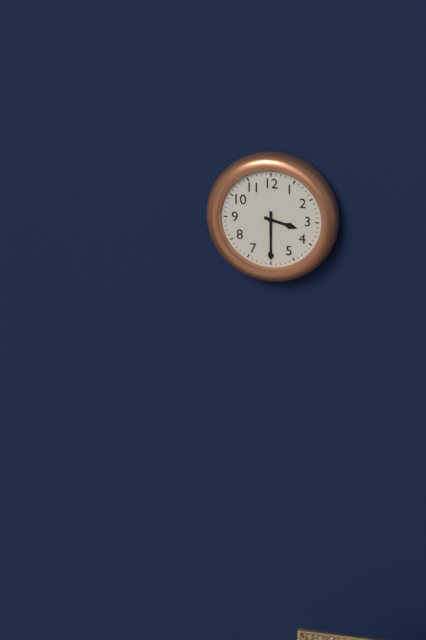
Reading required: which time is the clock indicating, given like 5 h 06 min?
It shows 3 h 30 min
